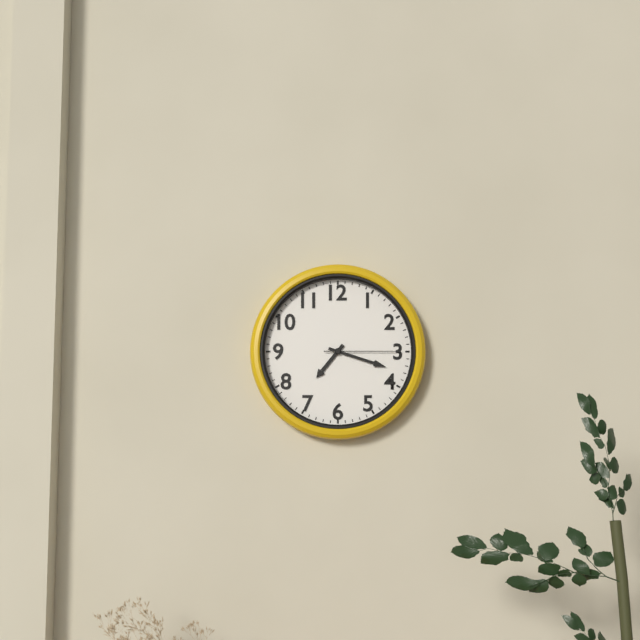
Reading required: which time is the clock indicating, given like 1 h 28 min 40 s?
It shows 7 h 18 min 15 s
